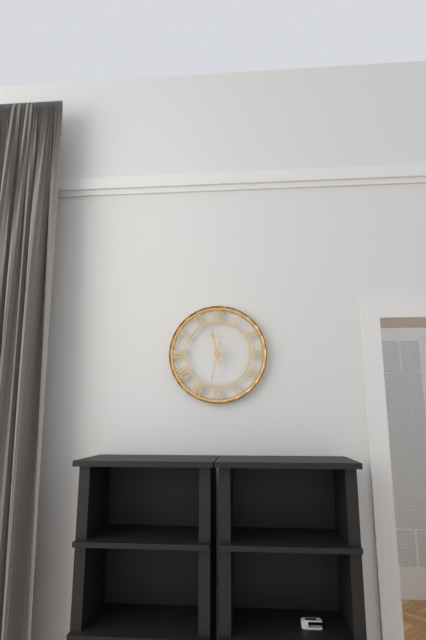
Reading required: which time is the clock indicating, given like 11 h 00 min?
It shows 11 h 32 min
